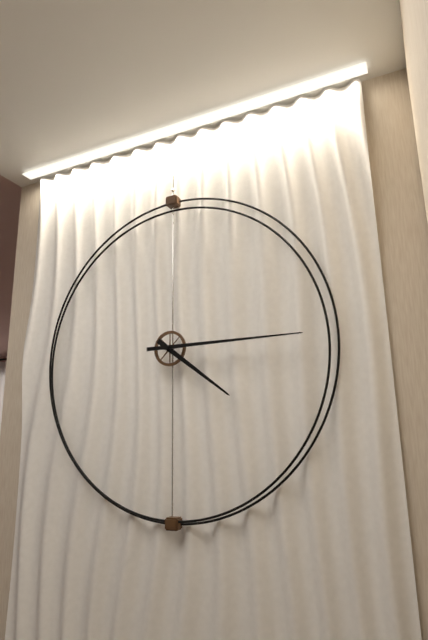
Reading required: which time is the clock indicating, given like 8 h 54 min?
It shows 4 h 15 min
